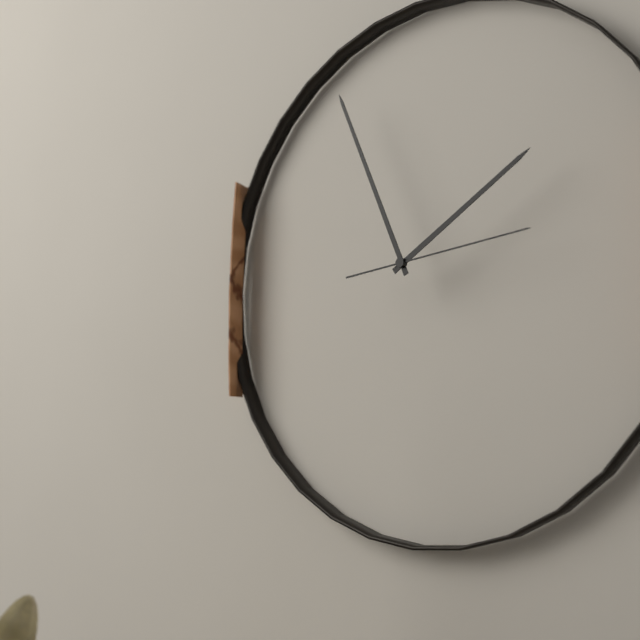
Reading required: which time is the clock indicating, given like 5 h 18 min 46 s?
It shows 1 h 56 min 14 s
